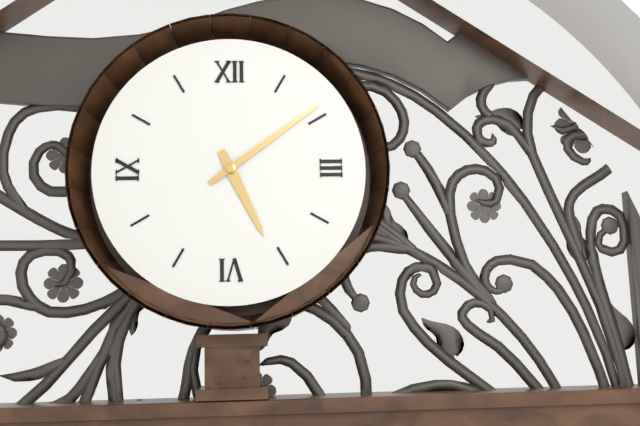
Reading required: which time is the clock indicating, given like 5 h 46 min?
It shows 5 h 09 min
